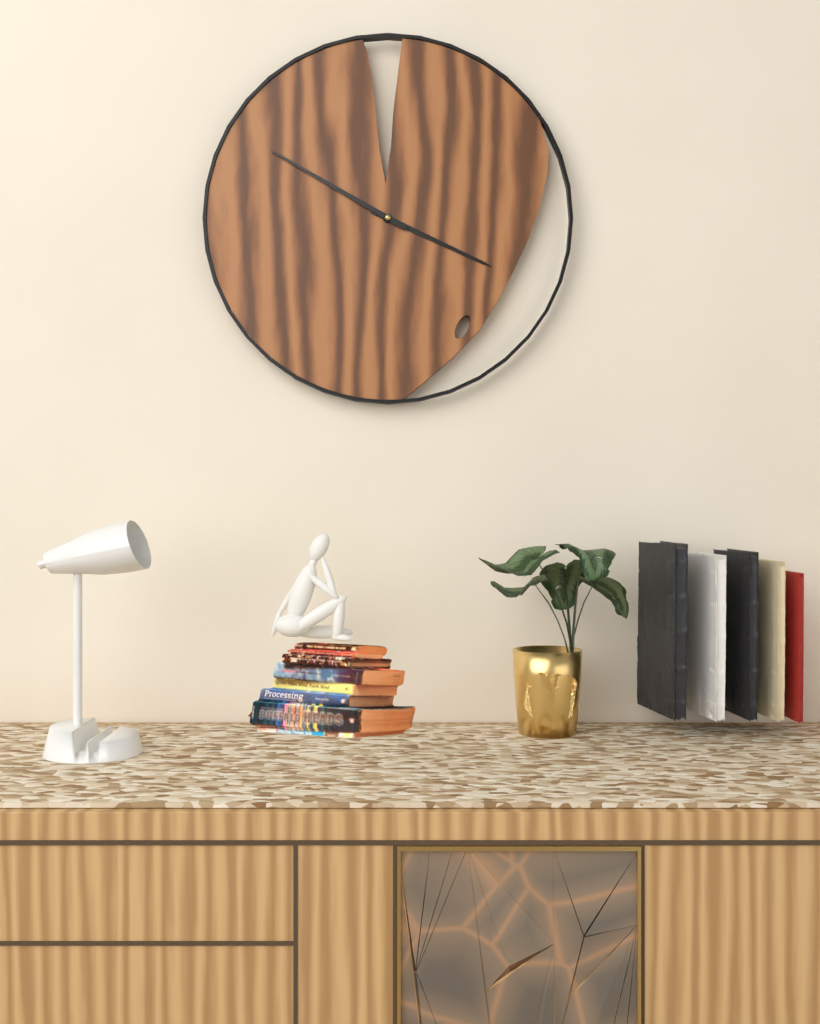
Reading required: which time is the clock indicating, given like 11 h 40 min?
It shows 3 h 50 min
